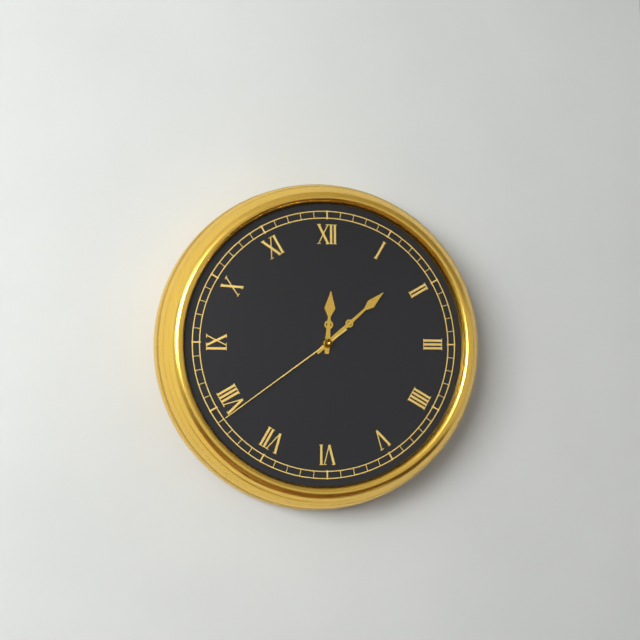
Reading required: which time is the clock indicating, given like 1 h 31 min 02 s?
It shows 12 h 08 min 39 s
